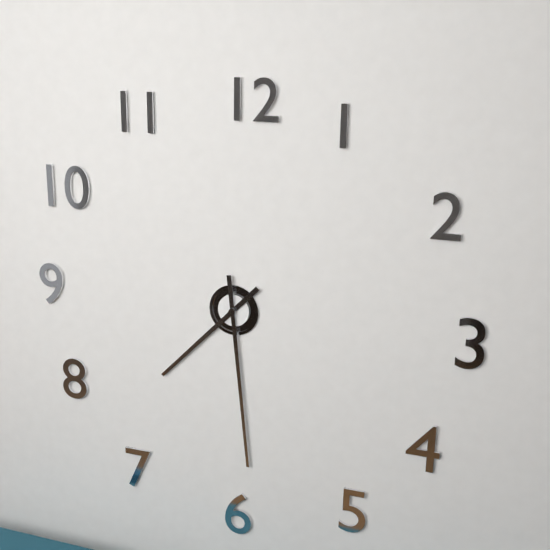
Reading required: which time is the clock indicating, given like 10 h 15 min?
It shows 7 h 29 min
